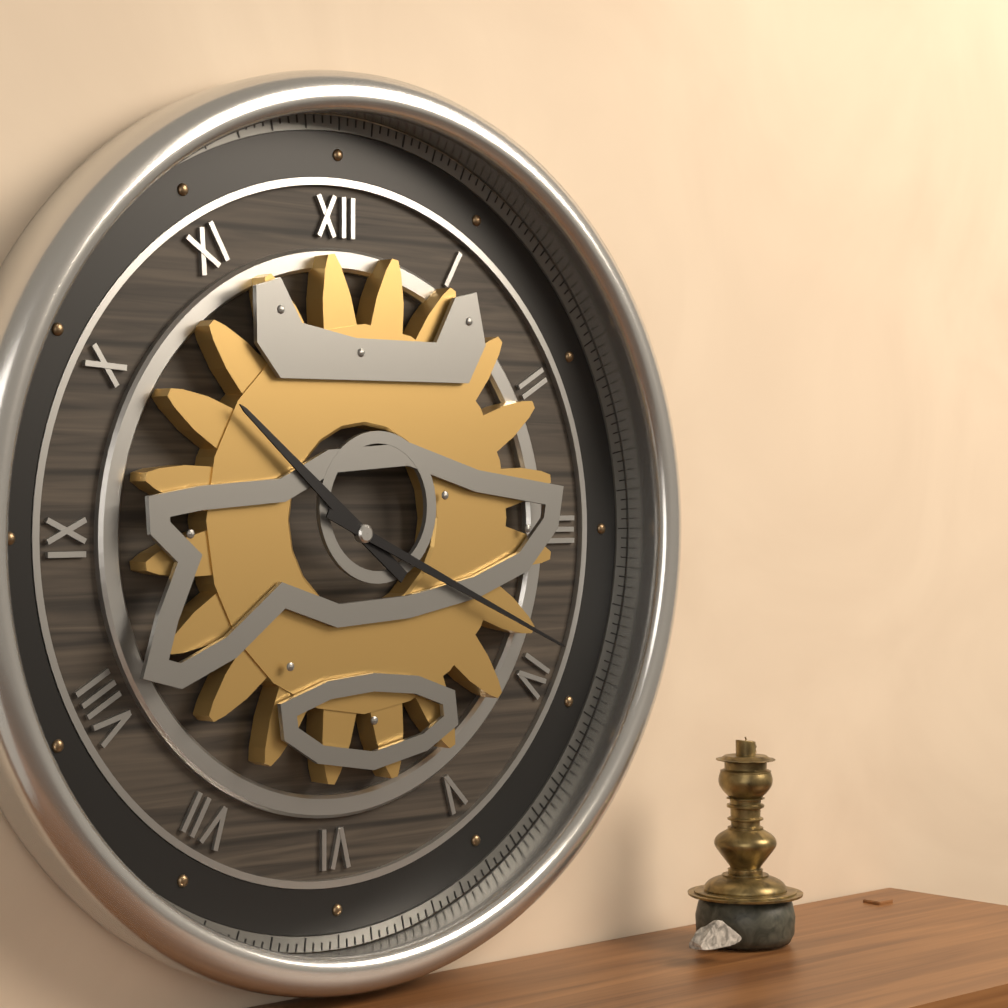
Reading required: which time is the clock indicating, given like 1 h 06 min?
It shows 10 h 19 min
